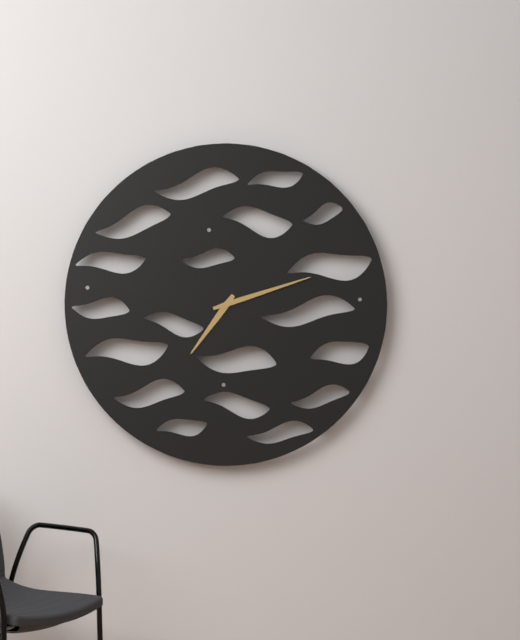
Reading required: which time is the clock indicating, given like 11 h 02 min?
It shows 7 h 12 min
